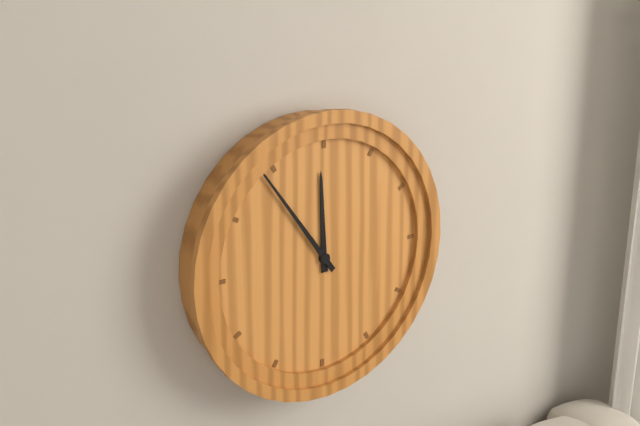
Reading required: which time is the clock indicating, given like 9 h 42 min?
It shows 11 h 54 min
